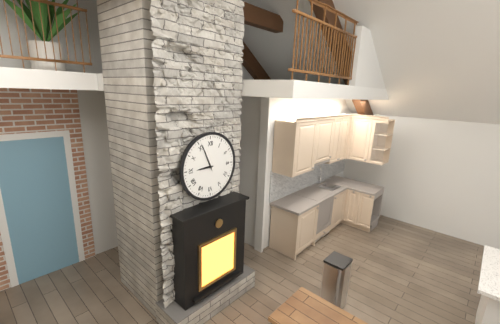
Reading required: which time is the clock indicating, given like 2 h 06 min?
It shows 8 h 56 min
